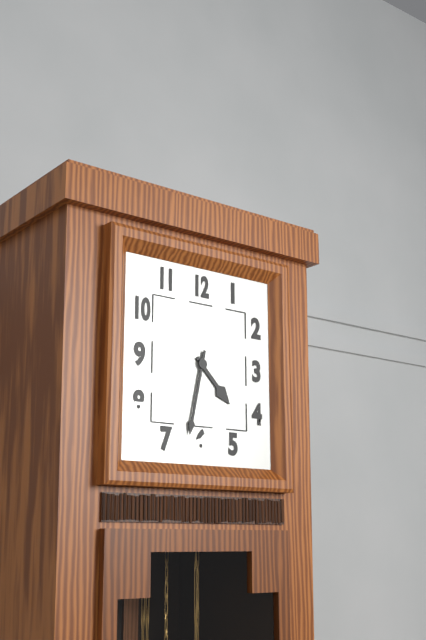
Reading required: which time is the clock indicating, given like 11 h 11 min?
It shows 4 h 32 min
